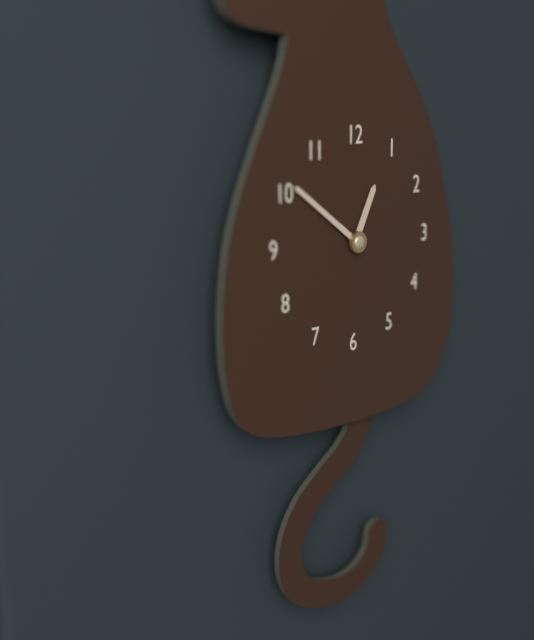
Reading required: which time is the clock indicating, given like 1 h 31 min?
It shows 12 h 51 min
